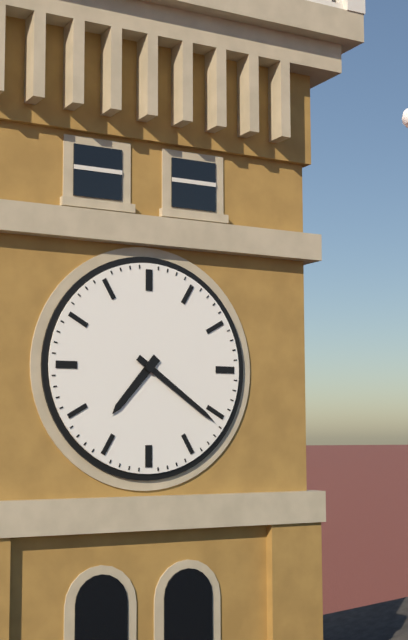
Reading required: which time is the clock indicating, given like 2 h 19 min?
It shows 7 h 21 min
